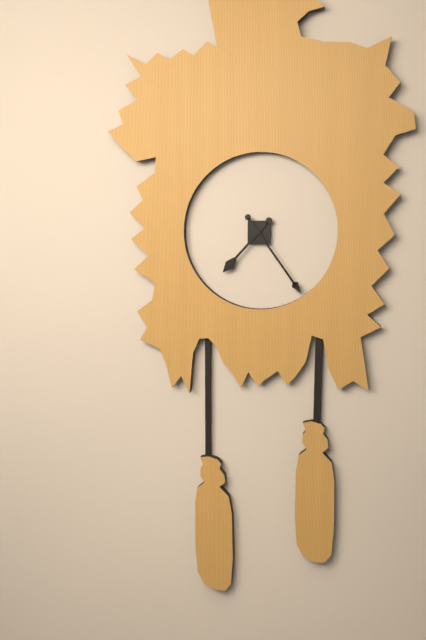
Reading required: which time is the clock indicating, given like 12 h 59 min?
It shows 7 h 24 min
